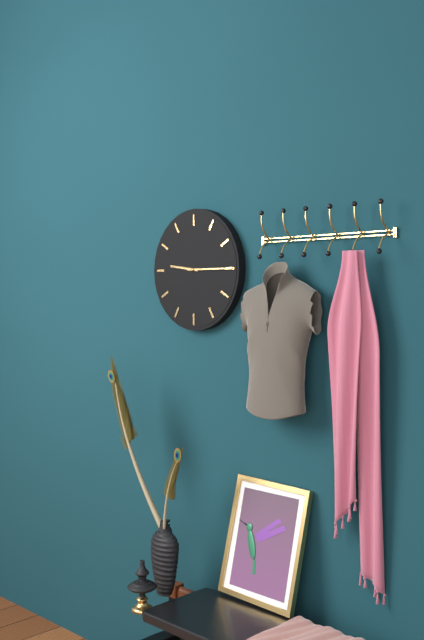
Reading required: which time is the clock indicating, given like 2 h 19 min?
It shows 9 h 15 min
